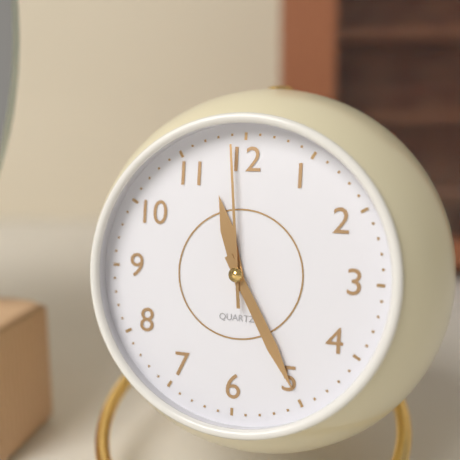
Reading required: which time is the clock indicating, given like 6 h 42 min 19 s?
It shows 11 h 25 min 59 s
